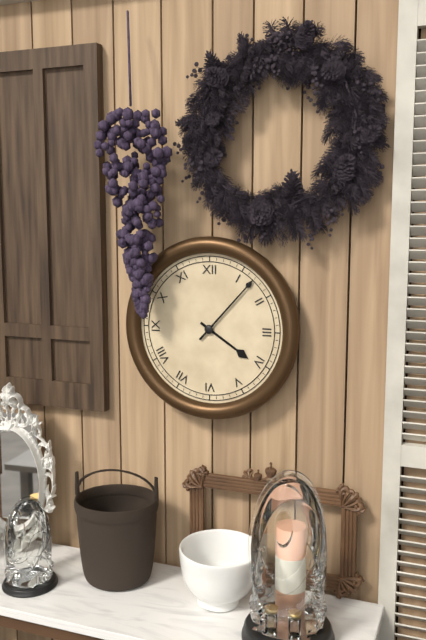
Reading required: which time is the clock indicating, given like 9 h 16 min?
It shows 4 h 07 min
